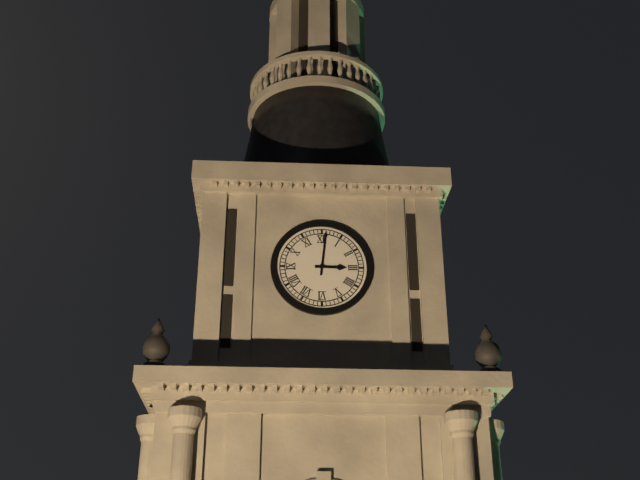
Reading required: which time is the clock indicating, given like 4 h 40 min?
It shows 3 h 01 min
